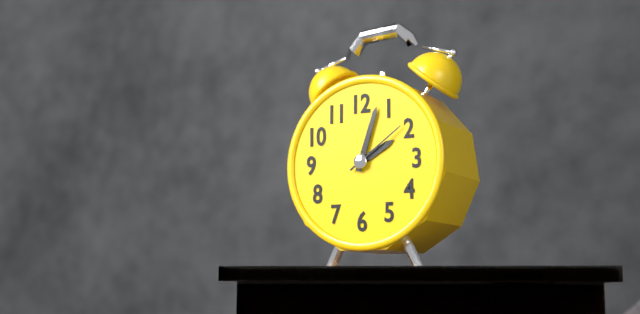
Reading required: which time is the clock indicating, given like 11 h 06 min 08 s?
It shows 2 h 03 min 09 s
